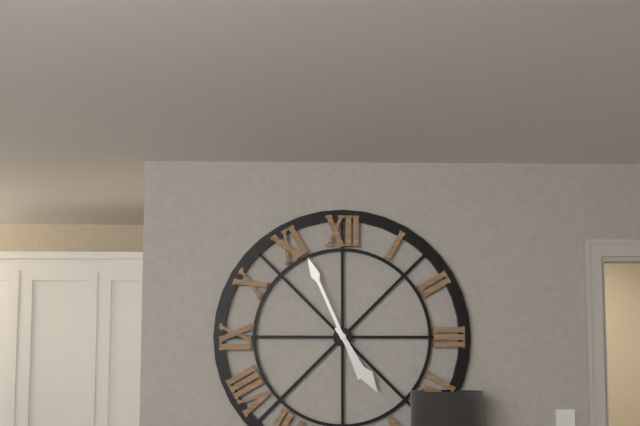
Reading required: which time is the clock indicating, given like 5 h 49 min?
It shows 4 h 56 min
